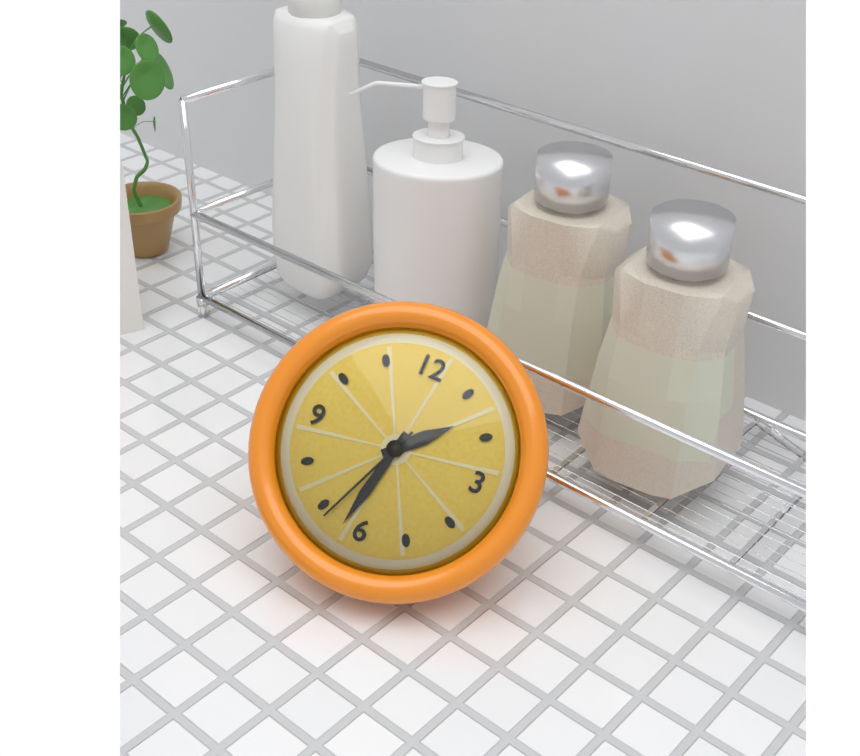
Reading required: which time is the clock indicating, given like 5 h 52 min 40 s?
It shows 1 h 32 min 34 s
